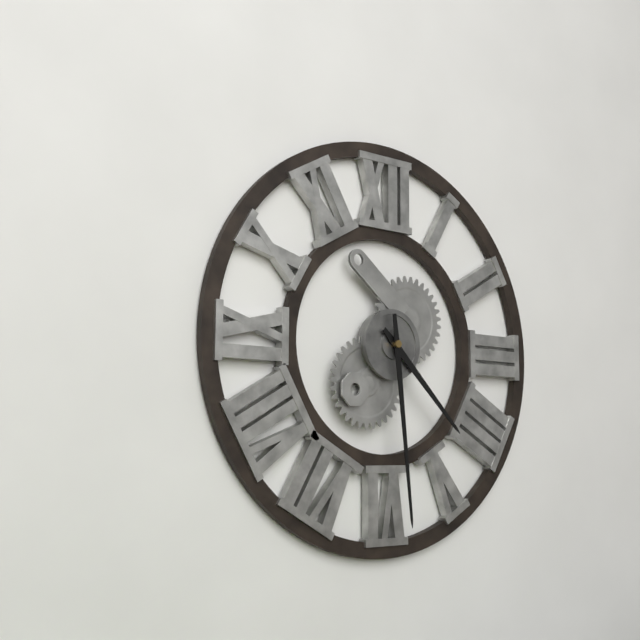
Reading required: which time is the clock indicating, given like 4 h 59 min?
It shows 4 h 29 min
